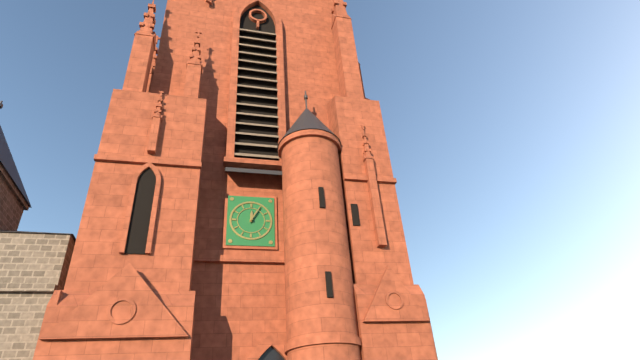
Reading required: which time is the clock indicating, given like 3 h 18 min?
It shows 12 h 05 min
